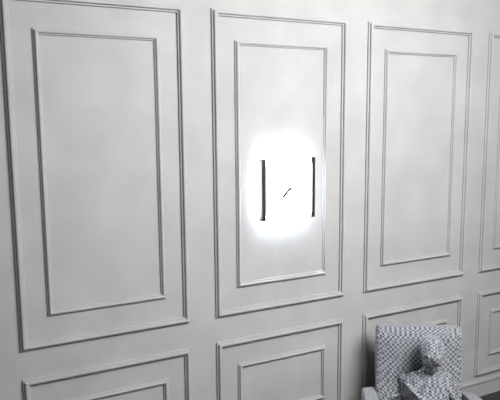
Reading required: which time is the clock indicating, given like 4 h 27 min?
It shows 7 h 37 min
